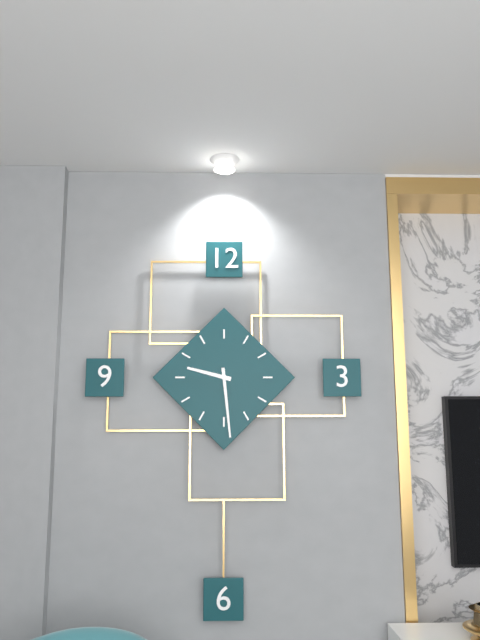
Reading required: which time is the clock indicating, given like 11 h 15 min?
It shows 9 h 29 min
